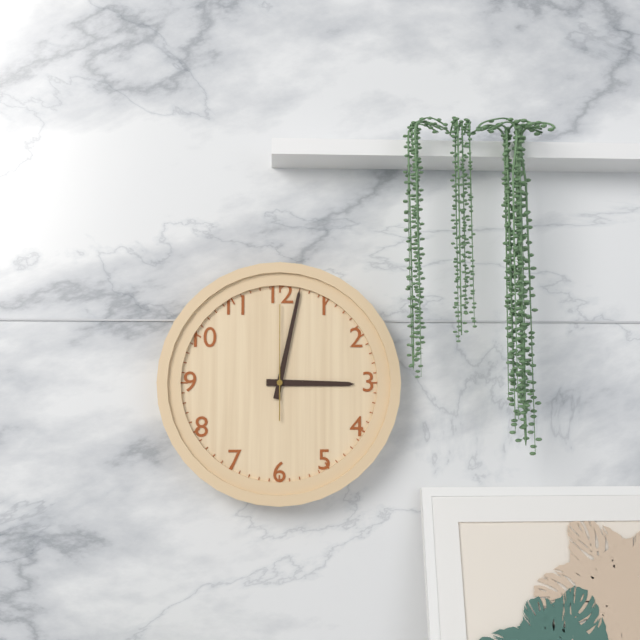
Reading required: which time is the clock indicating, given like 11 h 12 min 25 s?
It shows 3 h 02 min 00 s
